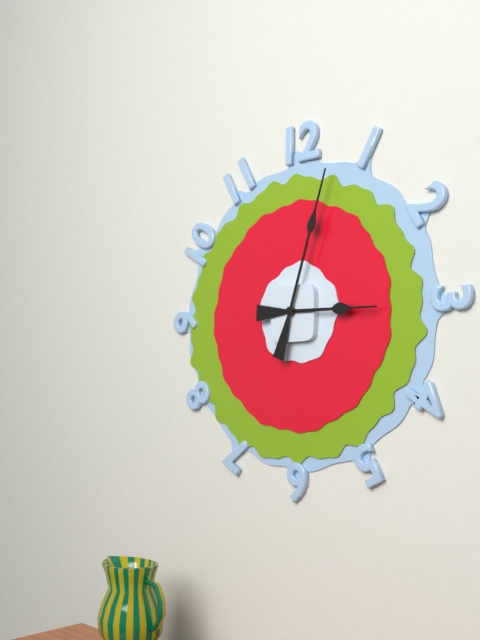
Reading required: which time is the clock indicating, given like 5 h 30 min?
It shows 3 h 03 min
